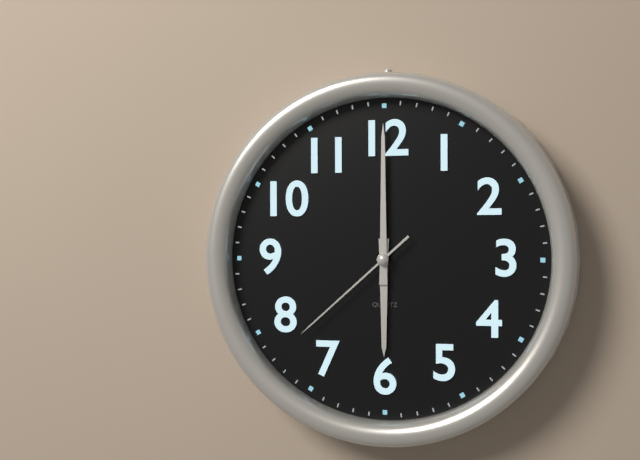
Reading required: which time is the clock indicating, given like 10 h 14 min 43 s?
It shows 6 h 00 min 38 s
